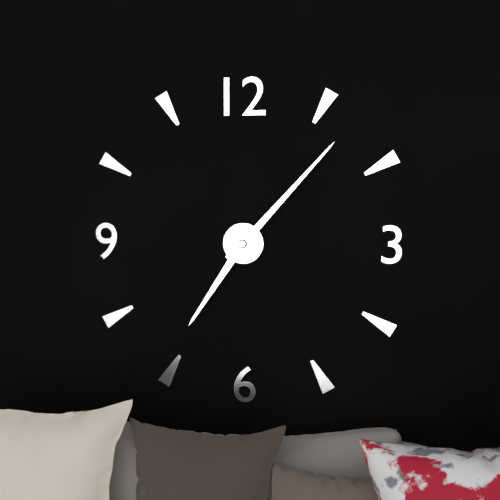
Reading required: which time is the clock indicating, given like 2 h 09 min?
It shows 7 h 07 min
